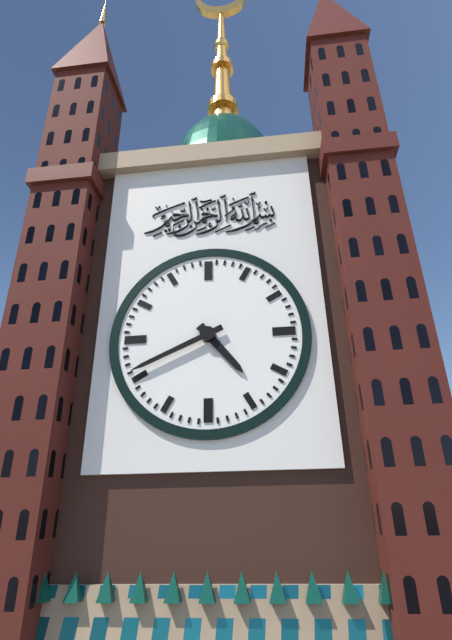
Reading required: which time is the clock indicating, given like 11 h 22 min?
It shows 4 h 41 min
